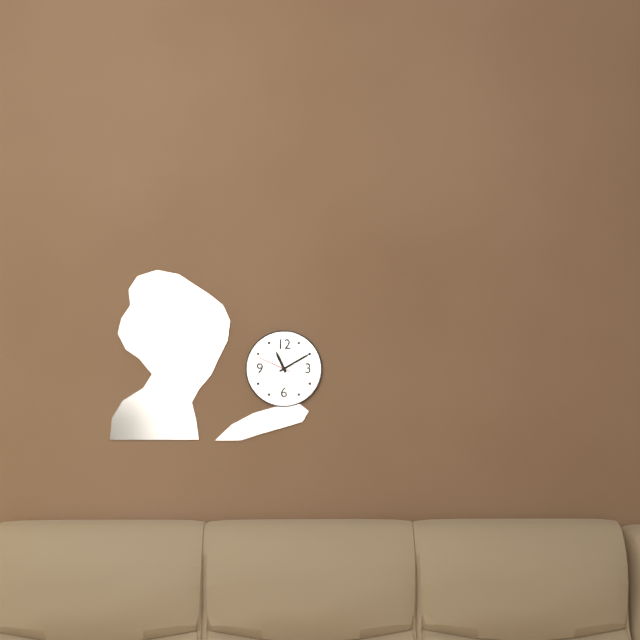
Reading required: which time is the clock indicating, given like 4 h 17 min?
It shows 11 h 10 min
